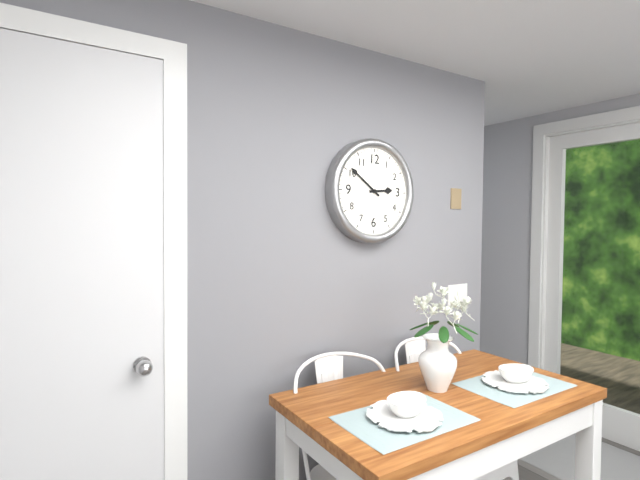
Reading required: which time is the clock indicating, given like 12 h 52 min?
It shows 2 h 51 min
